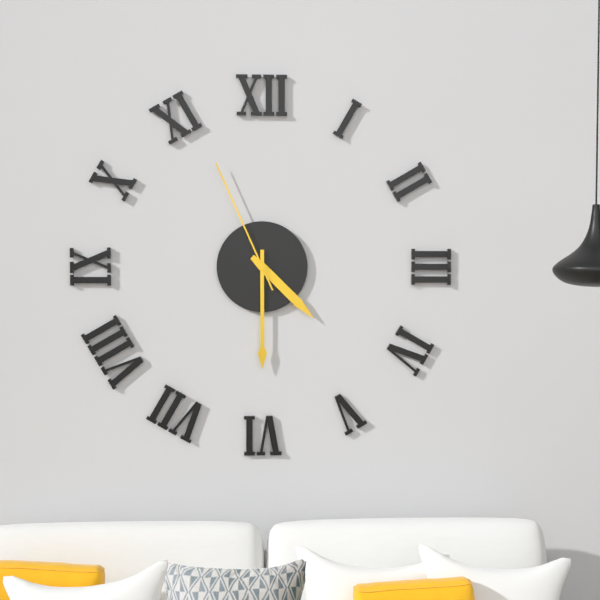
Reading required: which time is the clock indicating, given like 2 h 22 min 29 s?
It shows 4 h 30 min 56 s
